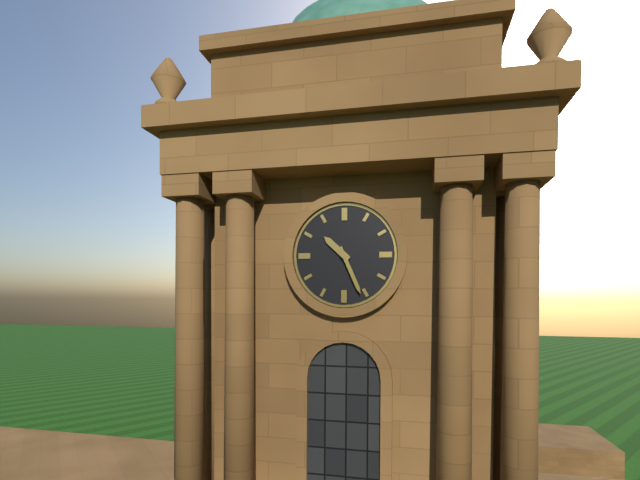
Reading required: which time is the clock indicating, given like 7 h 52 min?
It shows 10 h 26 min
